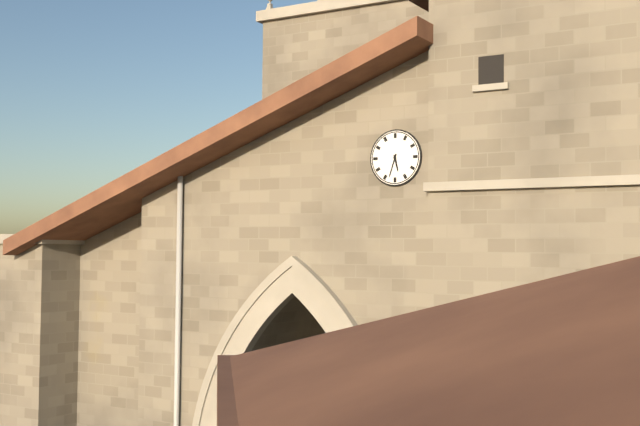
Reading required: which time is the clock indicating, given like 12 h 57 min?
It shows 5 h 33 min
